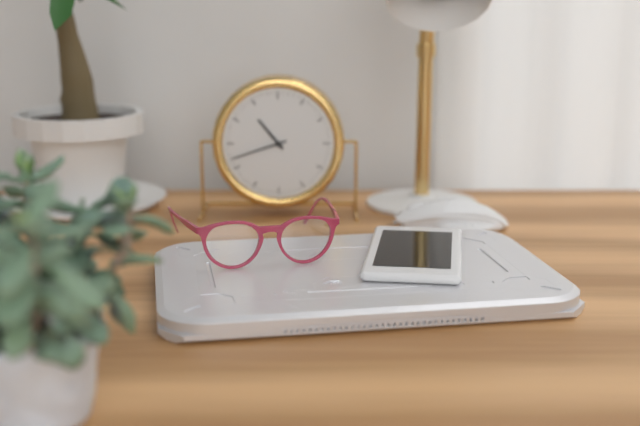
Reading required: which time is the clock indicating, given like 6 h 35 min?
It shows 10 h 42 min
